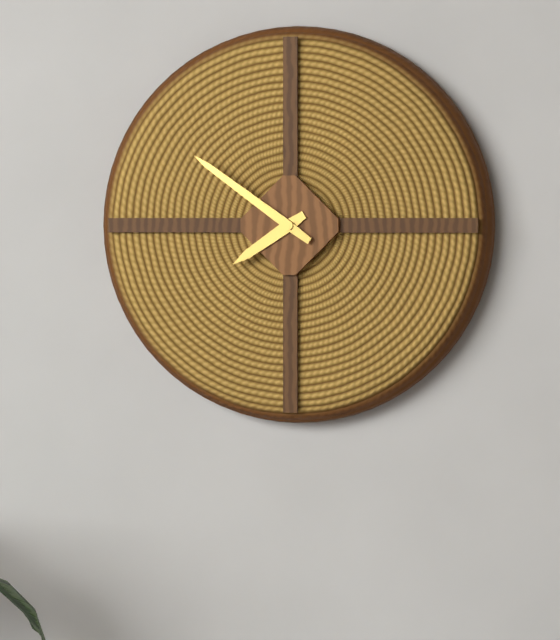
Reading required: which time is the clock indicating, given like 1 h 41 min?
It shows 7 h 51 min
